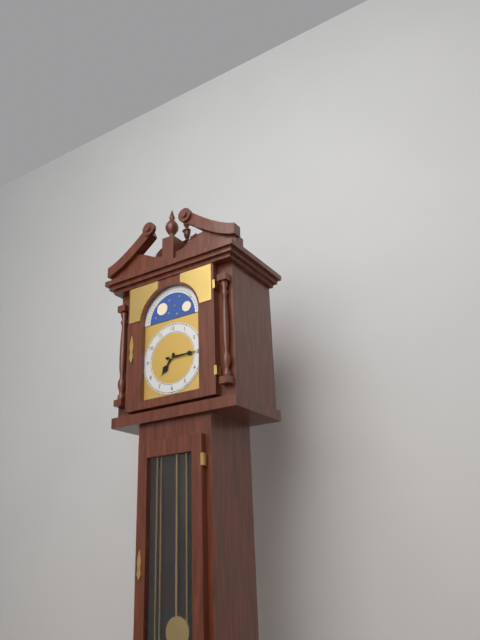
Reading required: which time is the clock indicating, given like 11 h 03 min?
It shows 7 h 15 min
